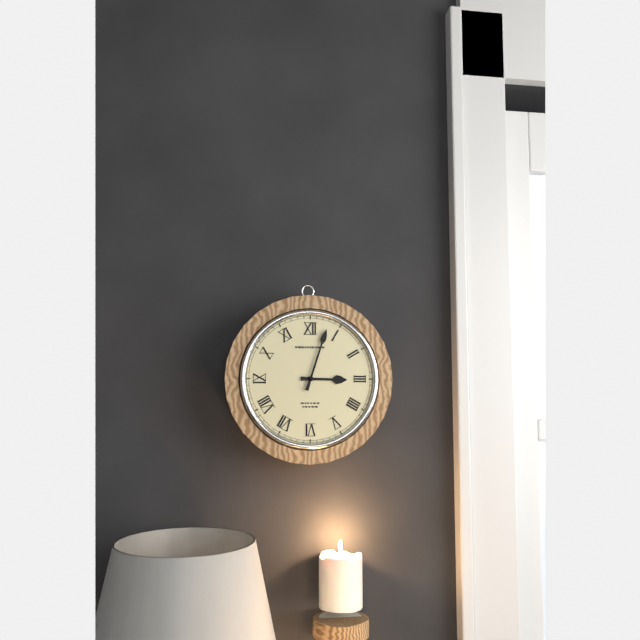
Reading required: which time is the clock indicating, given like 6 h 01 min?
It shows 3 h 03 min
